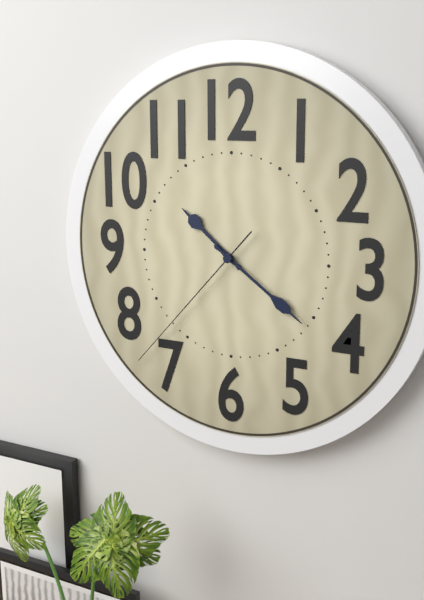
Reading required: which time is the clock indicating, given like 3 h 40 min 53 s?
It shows 10 h 21 min 37 s
